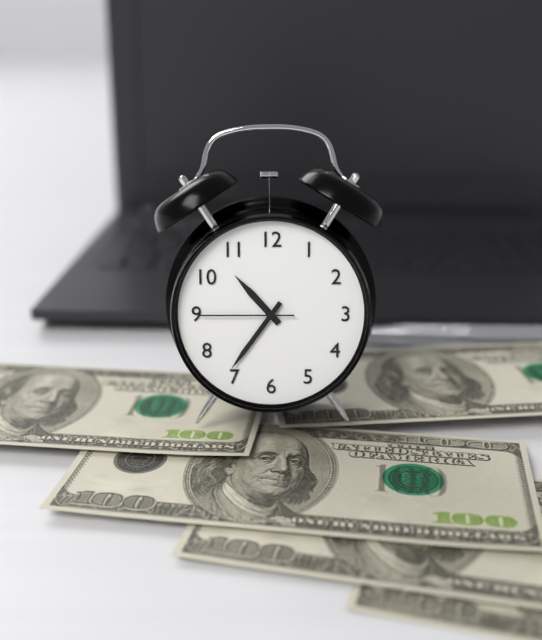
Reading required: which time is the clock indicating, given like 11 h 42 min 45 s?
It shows 10 h 36 min 45 s
